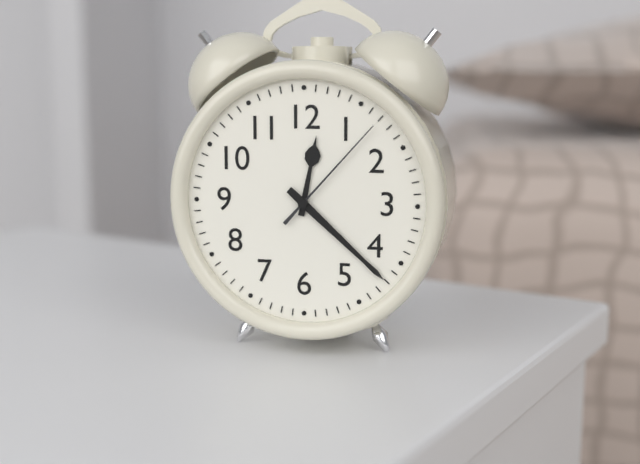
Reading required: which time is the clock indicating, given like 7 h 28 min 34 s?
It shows 12 h 22 min 07 s
